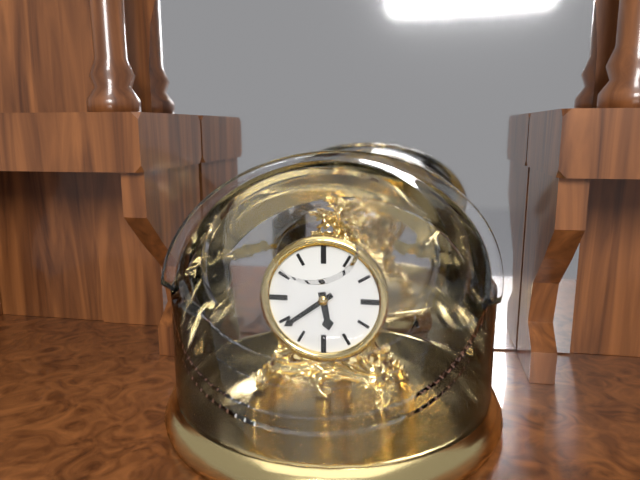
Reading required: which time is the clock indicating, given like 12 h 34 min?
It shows 5 h 39 min
